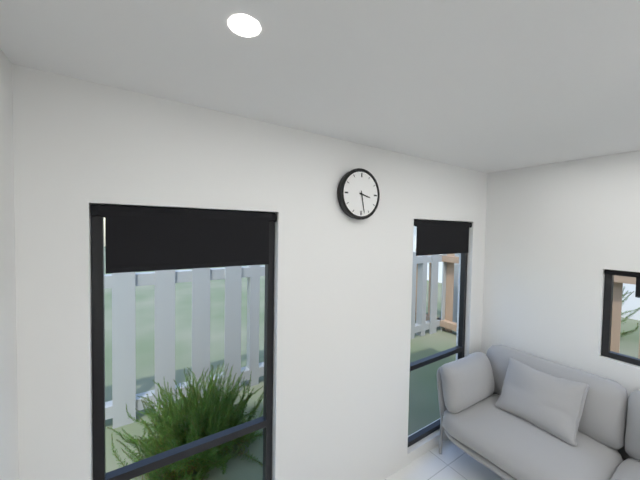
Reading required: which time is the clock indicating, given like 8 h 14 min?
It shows 3 h 28 min
